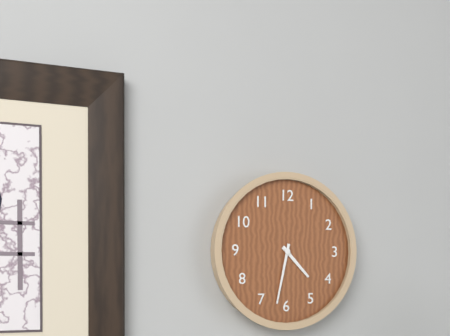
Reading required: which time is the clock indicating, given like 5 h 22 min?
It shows 4 h 32 min
